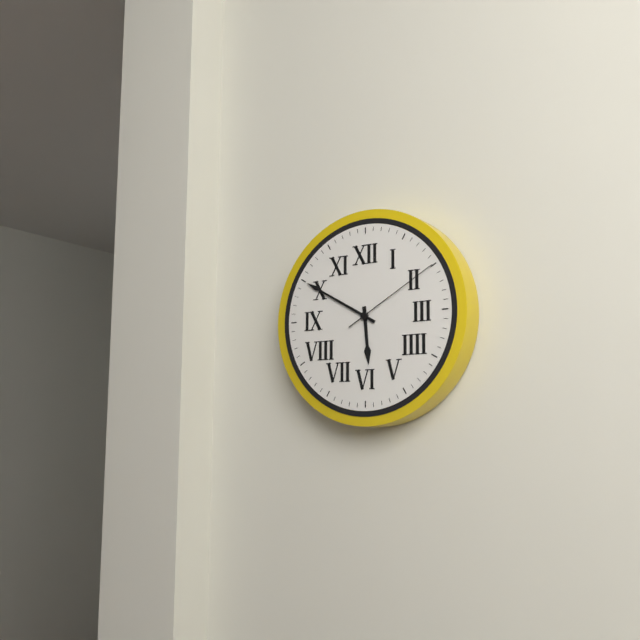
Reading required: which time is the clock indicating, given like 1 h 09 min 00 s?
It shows 5 h 50 min 10 s
